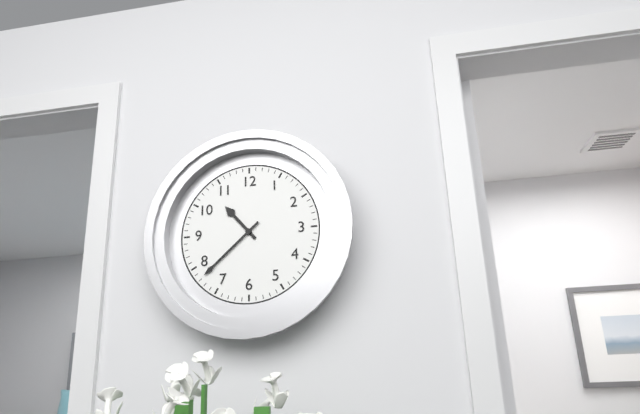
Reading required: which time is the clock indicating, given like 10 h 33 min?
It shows 10 h 38 min
